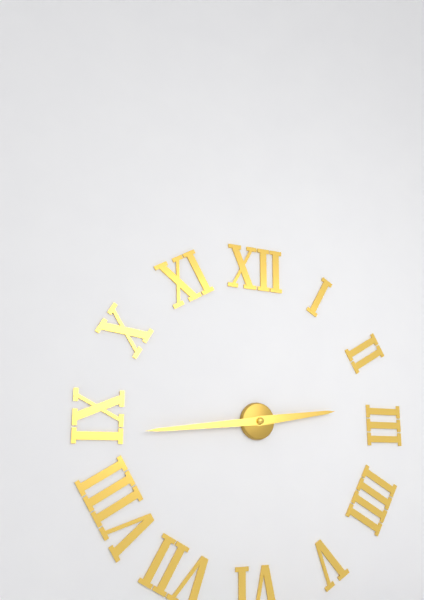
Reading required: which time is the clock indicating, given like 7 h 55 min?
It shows 2 h 44 min
